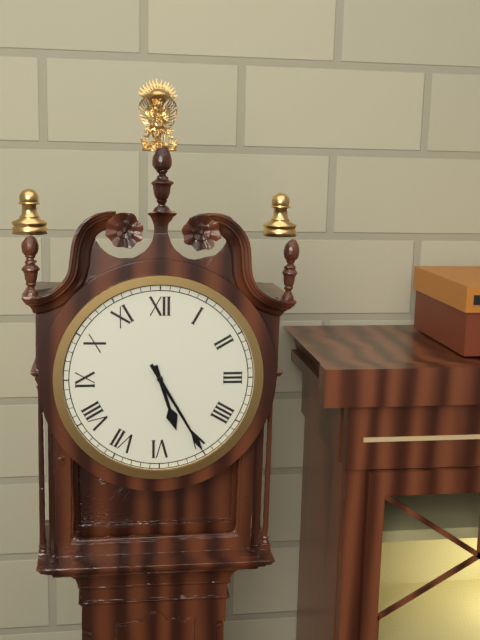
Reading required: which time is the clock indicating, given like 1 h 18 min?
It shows 5 h 25 min
